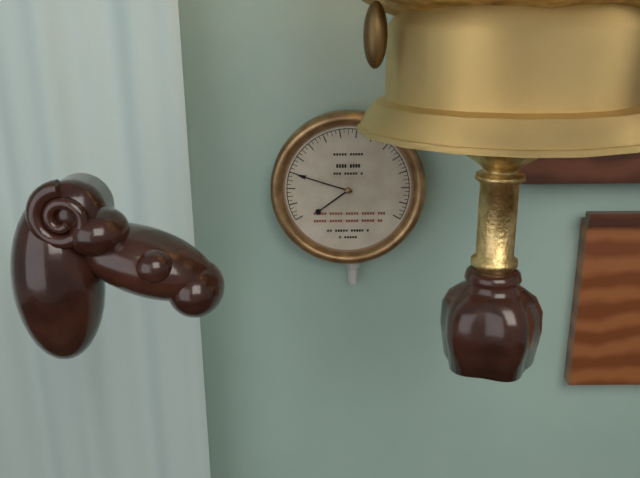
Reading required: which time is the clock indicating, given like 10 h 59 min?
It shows 7 h 48 min
